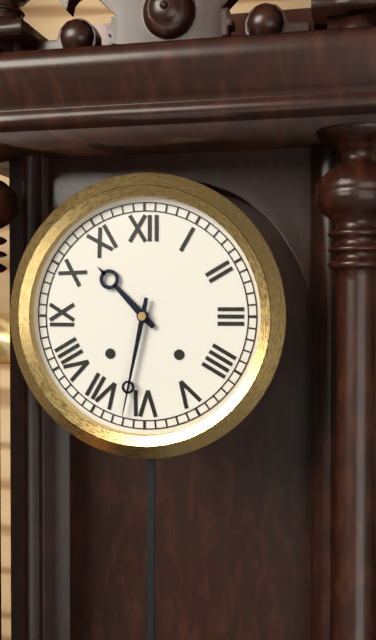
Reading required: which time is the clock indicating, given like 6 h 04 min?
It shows 10 h 32 min
